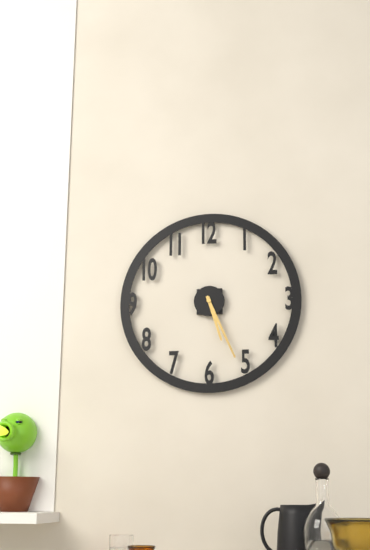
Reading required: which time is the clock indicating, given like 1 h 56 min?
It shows 5 h 26 min
